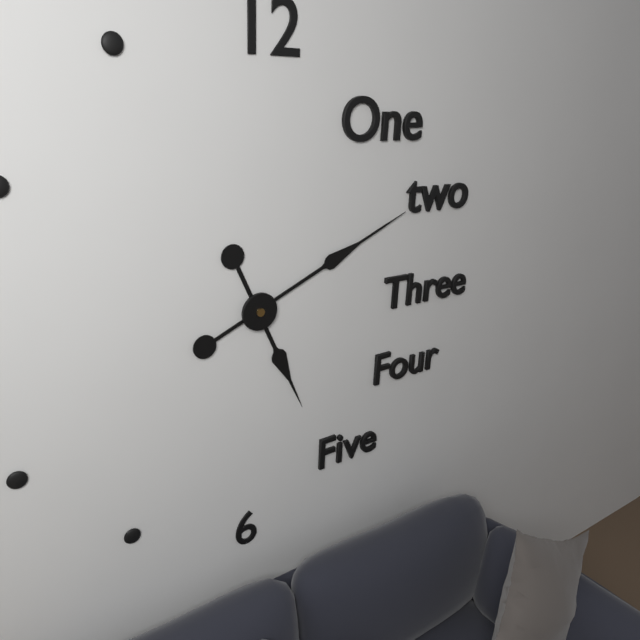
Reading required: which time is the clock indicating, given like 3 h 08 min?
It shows 5 h 11 min
